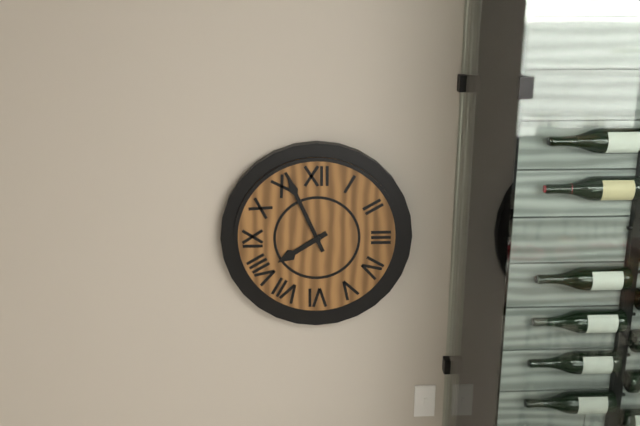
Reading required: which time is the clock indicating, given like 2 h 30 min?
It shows 7 h 56 min
